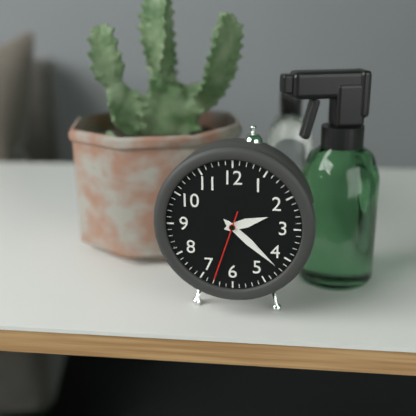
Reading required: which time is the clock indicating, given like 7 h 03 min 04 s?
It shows 2 h 22 min 33 s
